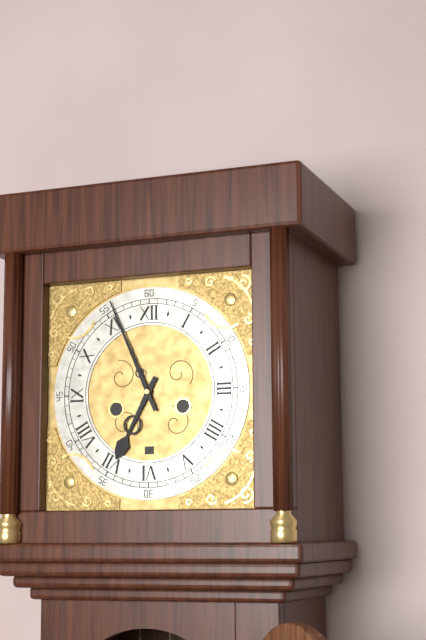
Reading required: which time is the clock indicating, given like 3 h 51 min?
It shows 6 h 56 min
